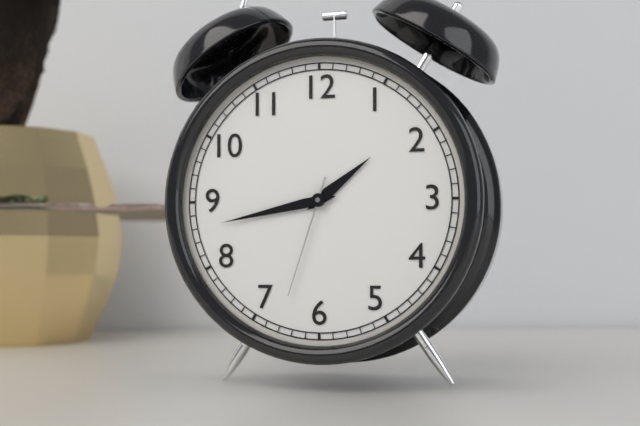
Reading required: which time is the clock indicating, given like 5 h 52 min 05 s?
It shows 1 h 43 min 33 s
